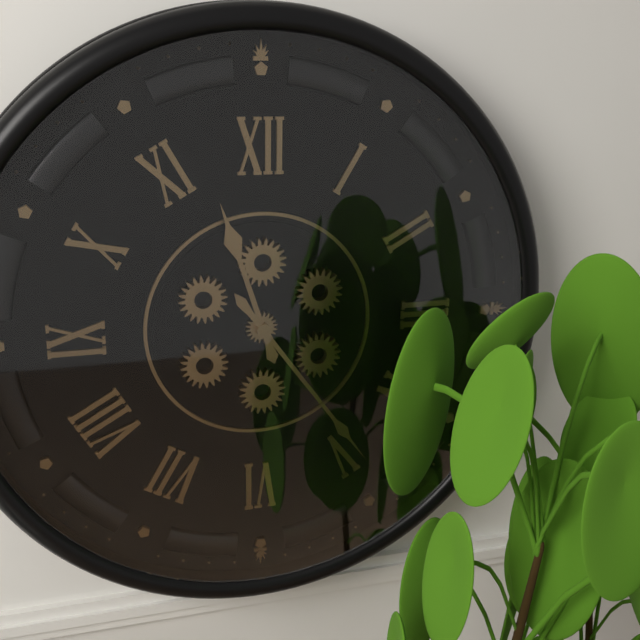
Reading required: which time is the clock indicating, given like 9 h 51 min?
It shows 11 h 24 min
